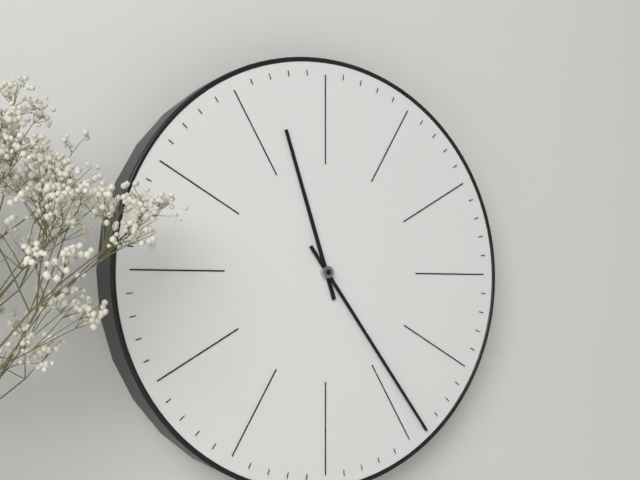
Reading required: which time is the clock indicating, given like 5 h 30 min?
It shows 11 h 24 min
